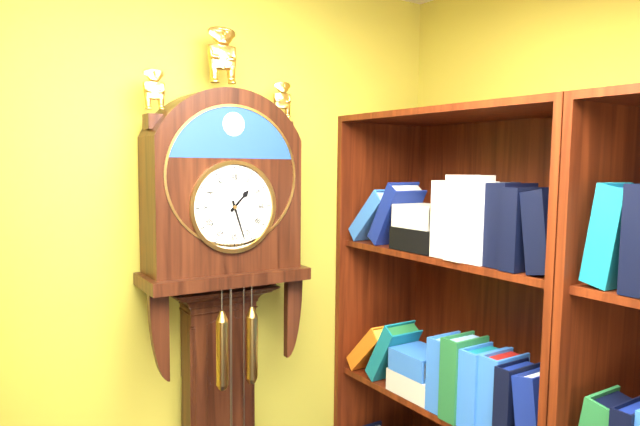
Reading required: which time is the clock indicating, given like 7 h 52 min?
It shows 1 h 27 min
